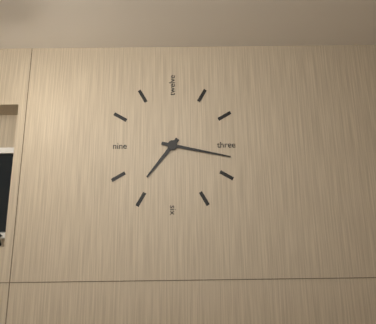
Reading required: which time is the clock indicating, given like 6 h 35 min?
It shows 7 h 17 min
